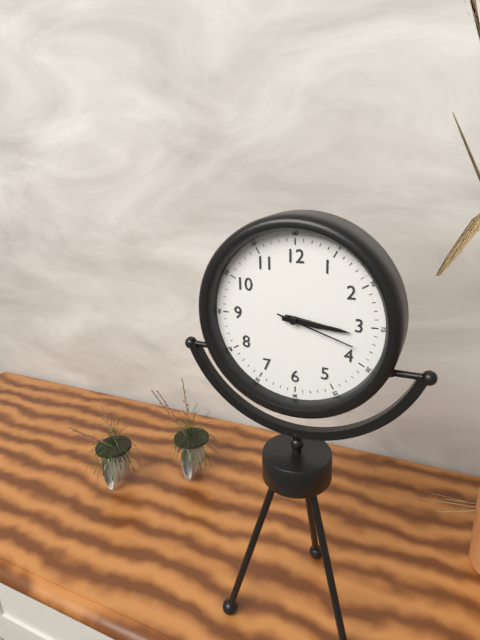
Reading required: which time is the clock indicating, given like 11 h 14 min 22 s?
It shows 3 h 16 min 18 s
